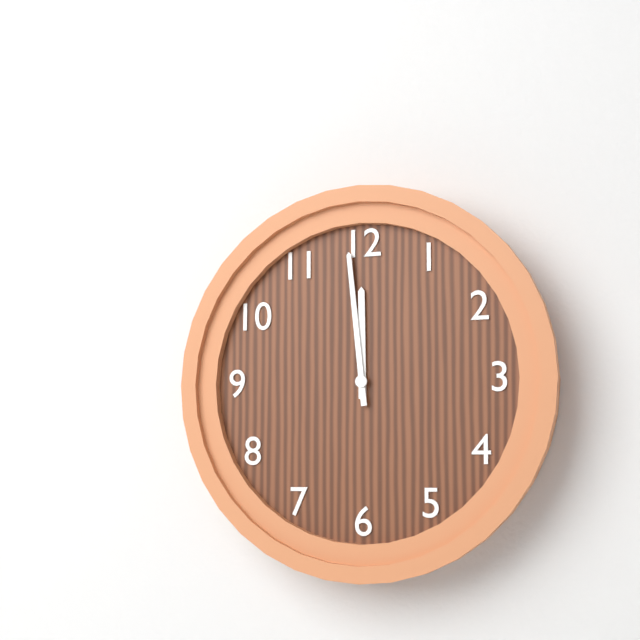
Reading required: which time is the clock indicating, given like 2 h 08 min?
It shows 11 h 59 min
